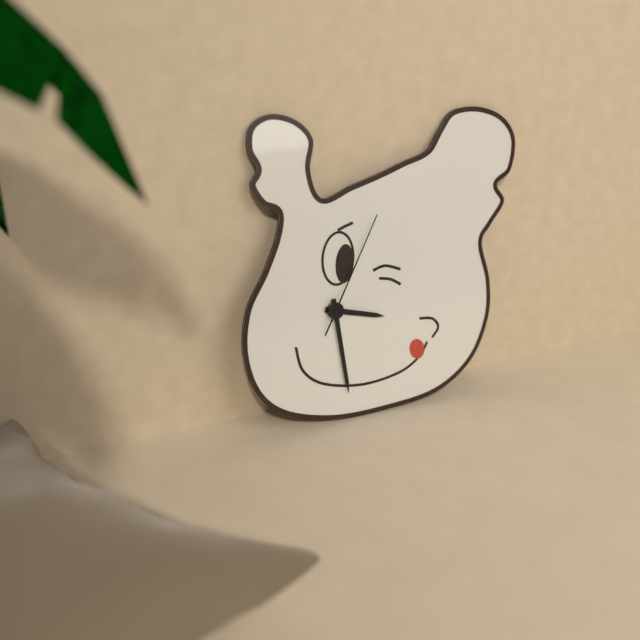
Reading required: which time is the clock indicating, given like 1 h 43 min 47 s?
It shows 3 h 29 min 05 s
